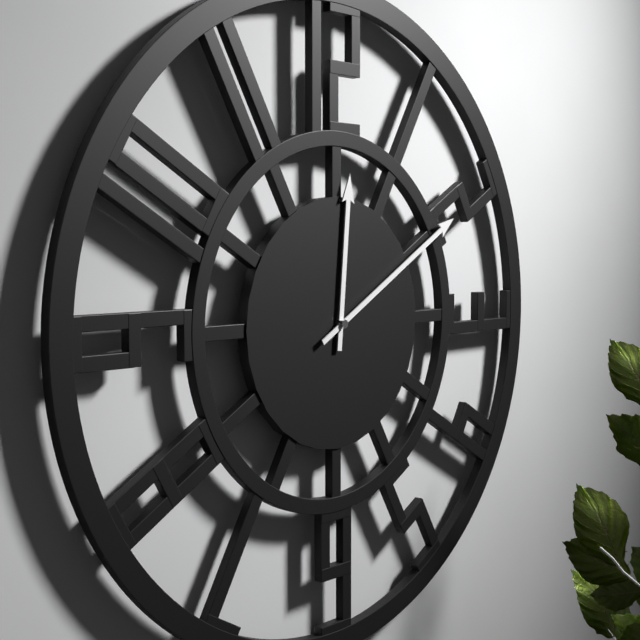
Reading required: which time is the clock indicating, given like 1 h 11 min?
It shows 12 h 10 min
